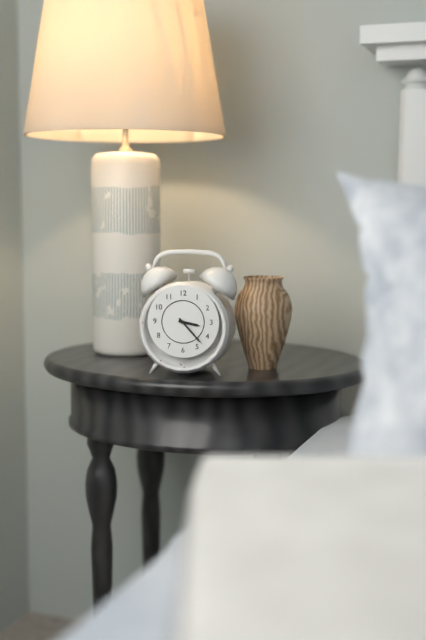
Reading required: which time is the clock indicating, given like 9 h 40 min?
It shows 3 h 23 min
